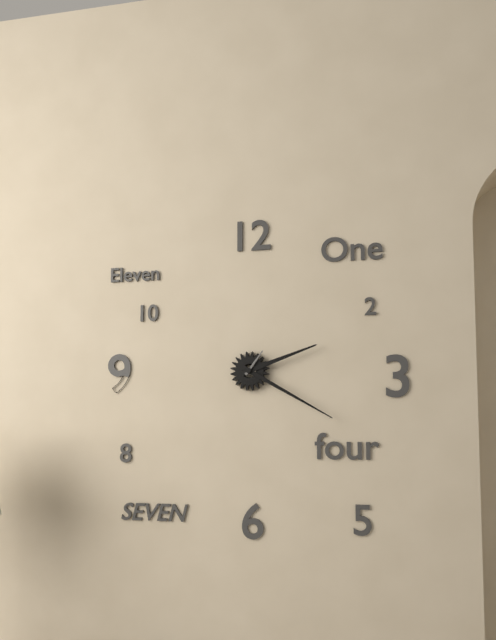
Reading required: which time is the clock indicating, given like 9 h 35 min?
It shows 2 h 20 min
